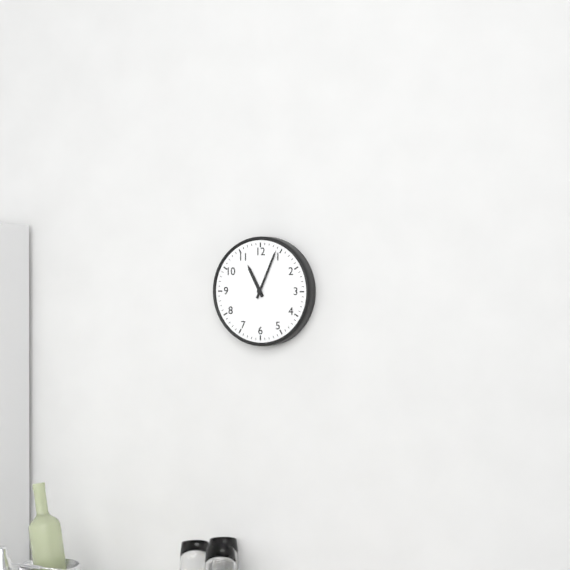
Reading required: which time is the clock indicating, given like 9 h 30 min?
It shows 11 h 04 min
